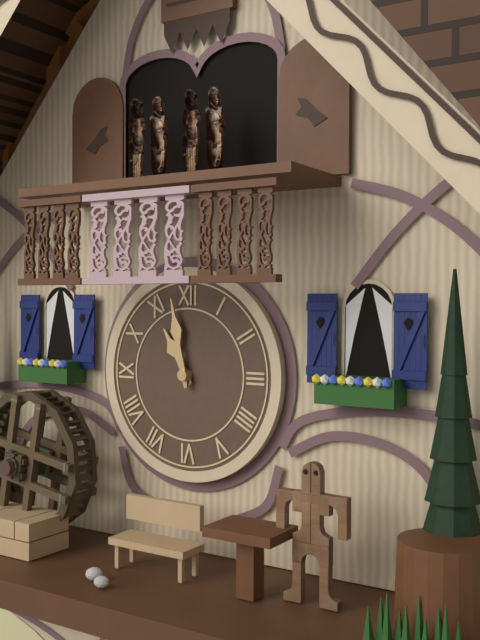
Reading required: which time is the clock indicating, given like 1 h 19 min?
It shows 10 h 58 min
